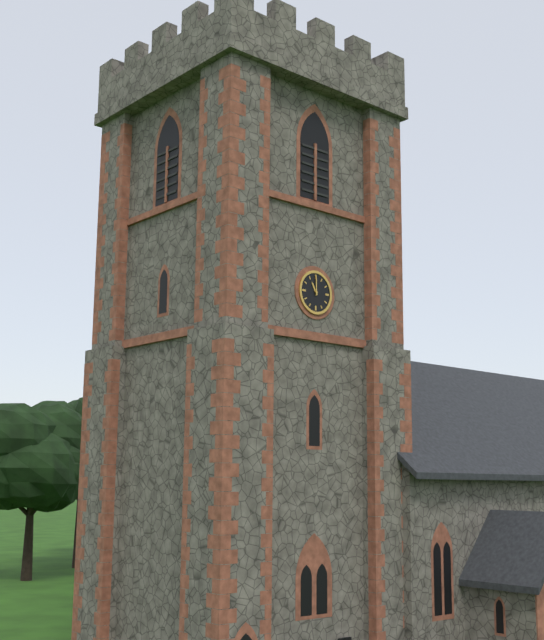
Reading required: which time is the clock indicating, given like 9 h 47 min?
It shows 11 h 00 min
